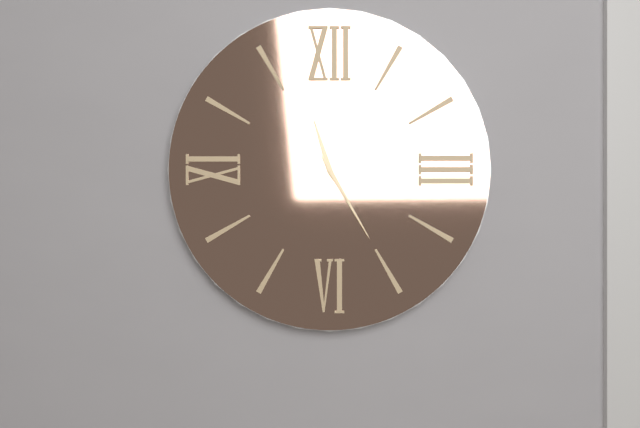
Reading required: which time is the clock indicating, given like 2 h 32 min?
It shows 11 h 25 min
